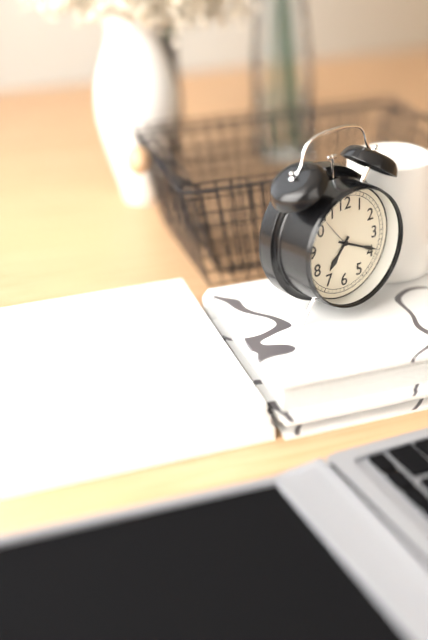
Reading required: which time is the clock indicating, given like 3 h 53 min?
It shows 7 h 19 min
